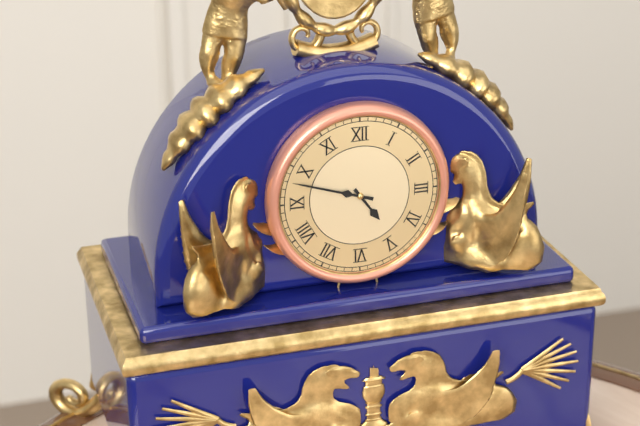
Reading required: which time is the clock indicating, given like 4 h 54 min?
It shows 4 h 48 min
